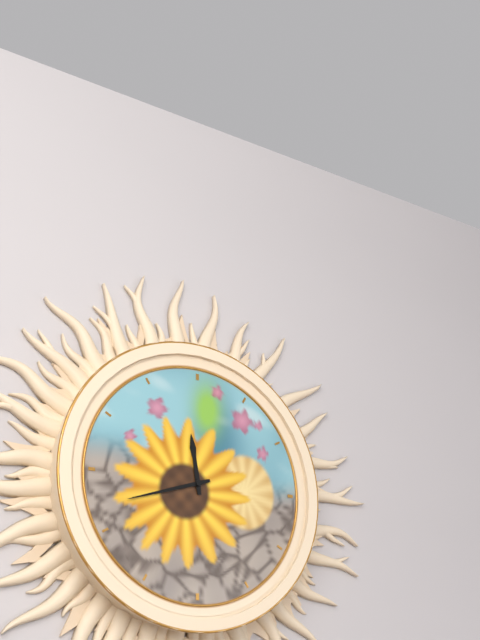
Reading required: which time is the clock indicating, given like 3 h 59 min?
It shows 11 h 42 min
